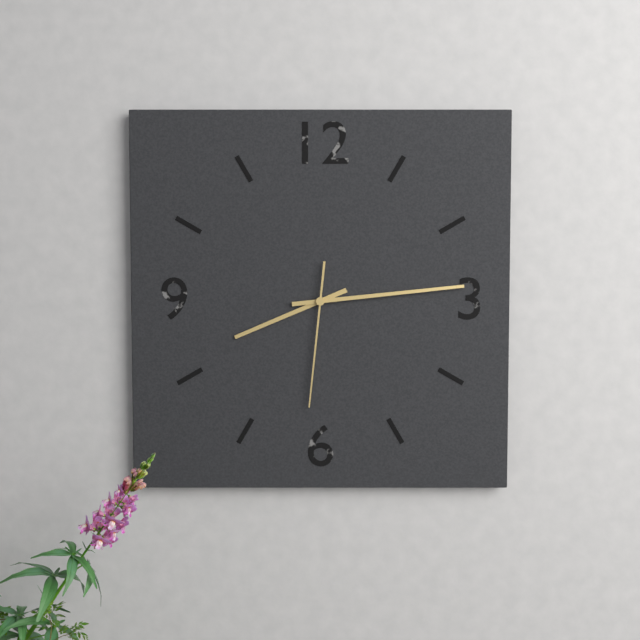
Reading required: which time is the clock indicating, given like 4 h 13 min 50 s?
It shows 8 h 14 min 31 s
